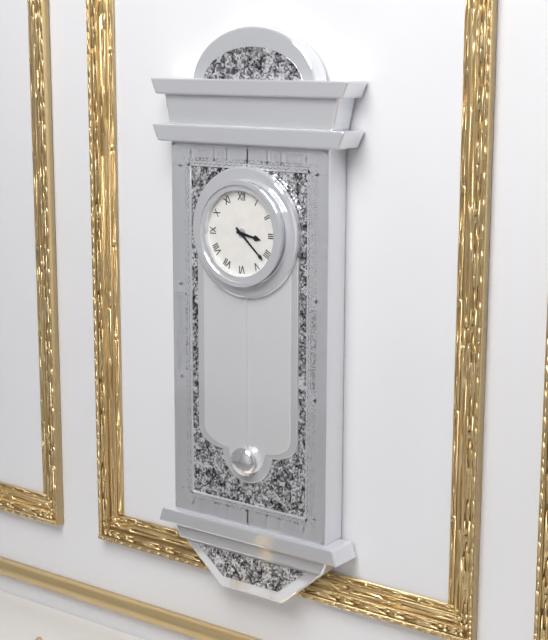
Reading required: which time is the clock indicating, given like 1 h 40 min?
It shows 3 h 22 min
